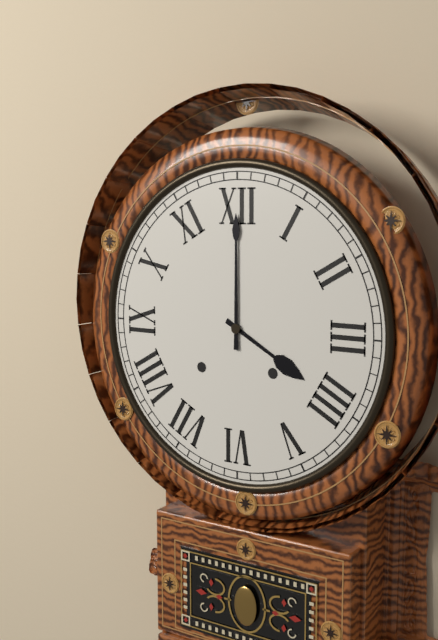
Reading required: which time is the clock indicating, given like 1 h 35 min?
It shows 4 h 00 min
